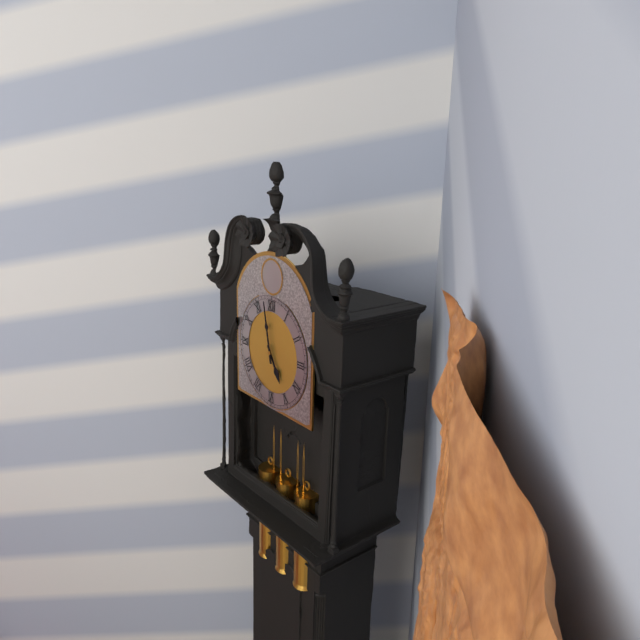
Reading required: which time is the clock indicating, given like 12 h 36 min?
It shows 4 h 58 min
